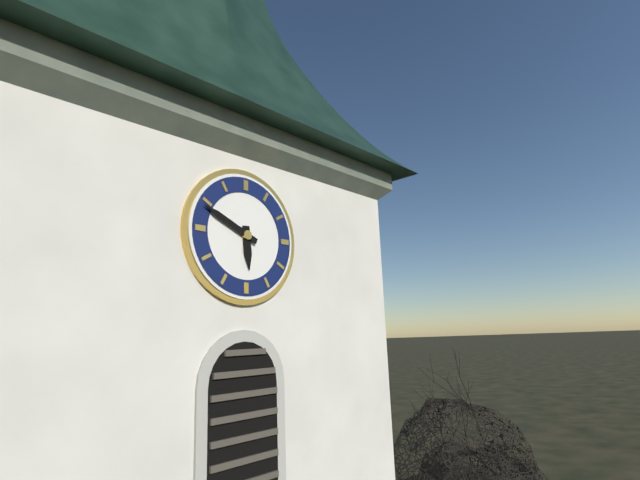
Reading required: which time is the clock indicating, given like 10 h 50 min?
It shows 5 h 49 min
